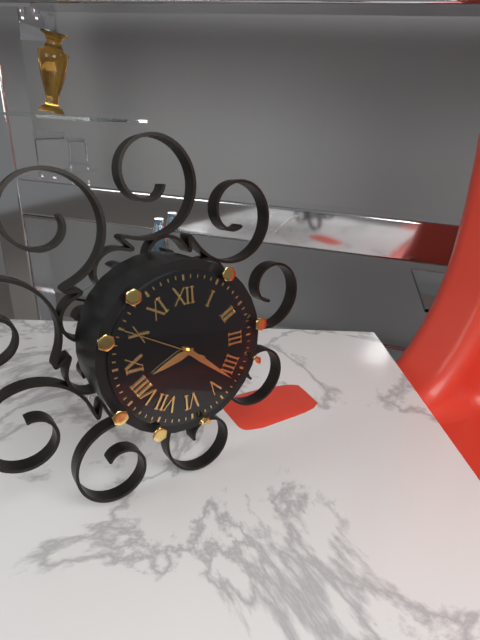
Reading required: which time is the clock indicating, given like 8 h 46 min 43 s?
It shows 8 h 22 min 50 s
